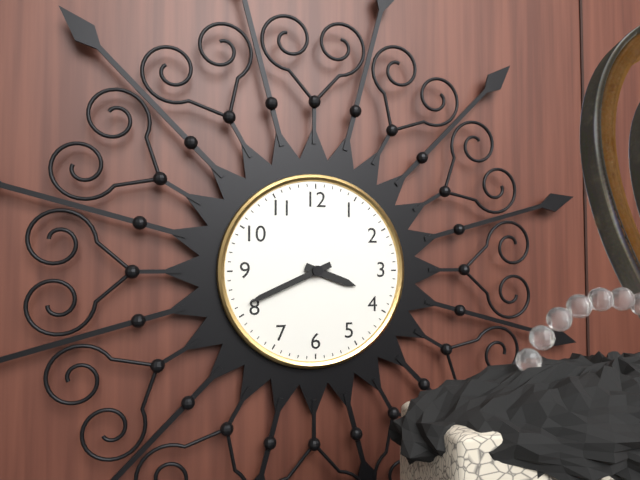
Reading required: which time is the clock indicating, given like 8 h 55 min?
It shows 3 h 41 min
